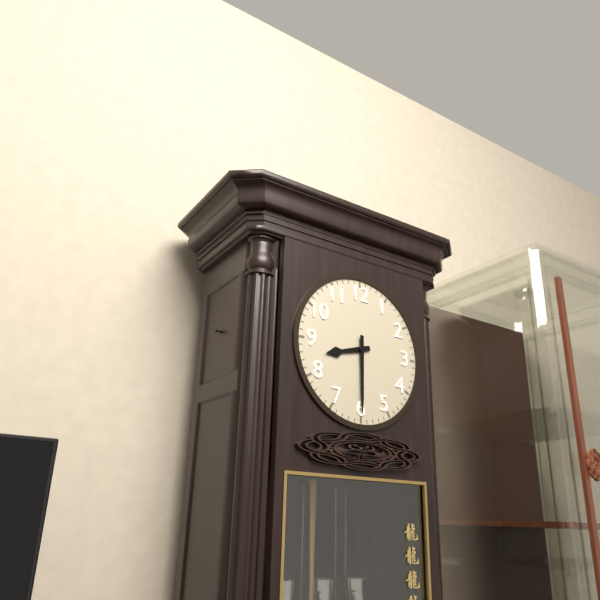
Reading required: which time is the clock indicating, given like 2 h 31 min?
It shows 8 h 30 min
